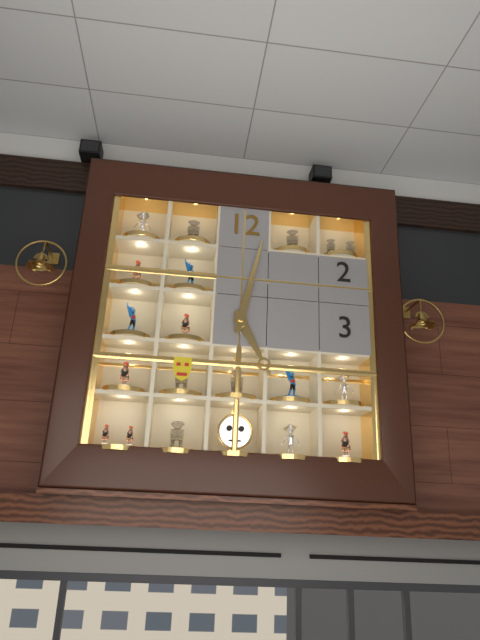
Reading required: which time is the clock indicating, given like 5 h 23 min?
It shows 5 h 02 min
